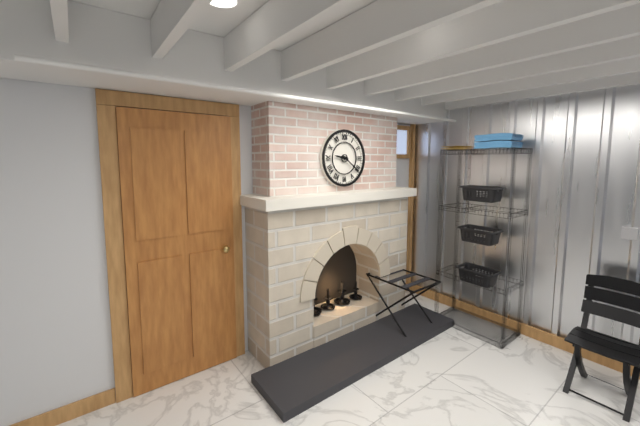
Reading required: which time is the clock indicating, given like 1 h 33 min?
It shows 9 h 21 min
